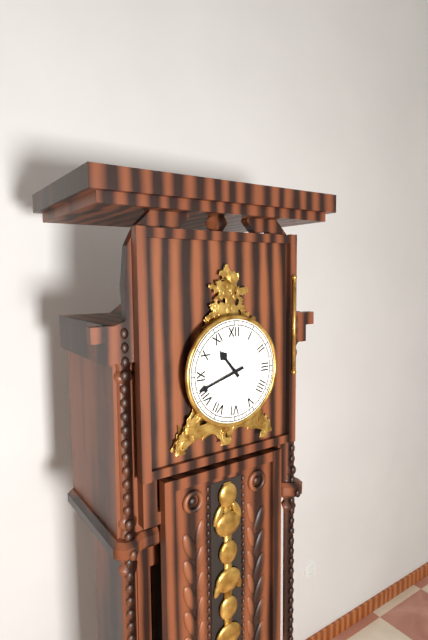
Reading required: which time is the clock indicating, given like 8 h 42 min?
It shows 10 h 42 min
